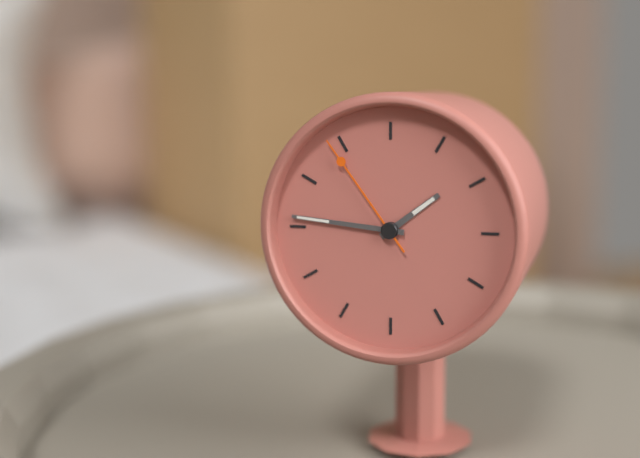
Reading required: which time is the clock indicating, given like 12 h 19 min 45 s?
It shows 1 h 46 min 54 s
